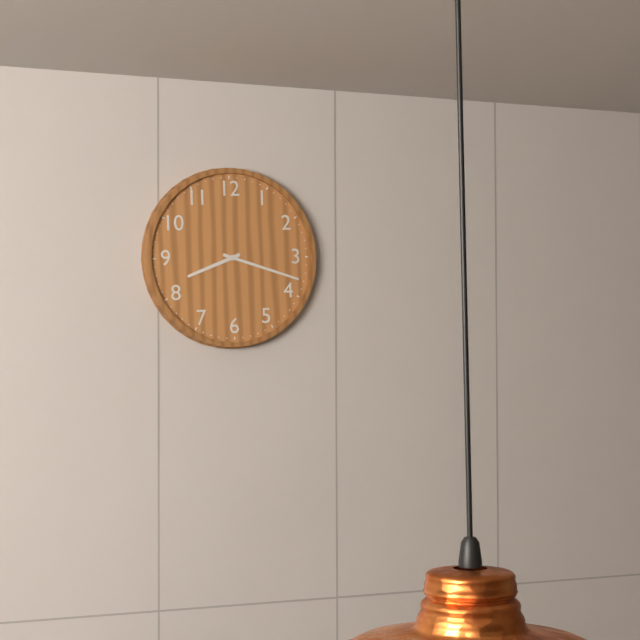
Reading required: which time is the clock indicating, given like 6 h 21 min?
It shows 8 h 18 min
